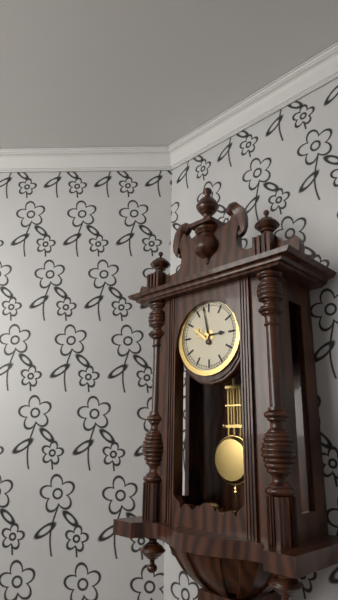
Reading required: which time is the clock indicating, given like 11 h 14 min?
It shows 2 h 58 min
